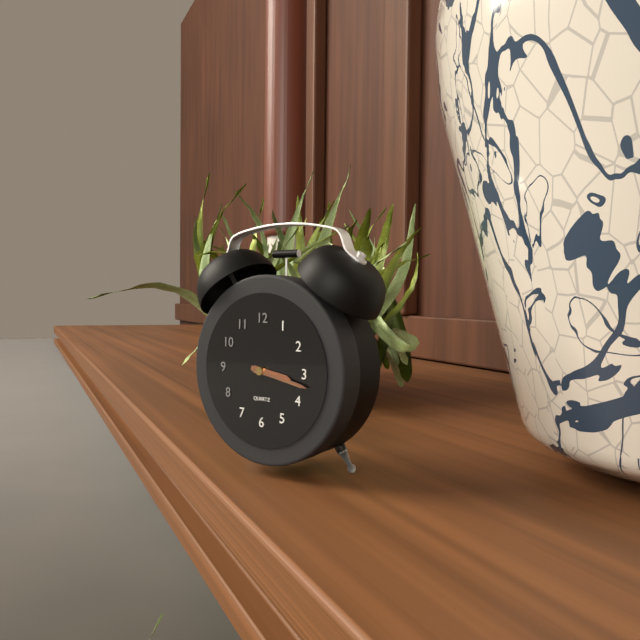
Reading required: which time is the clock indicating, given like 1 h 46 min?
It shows 3 h 17 min
